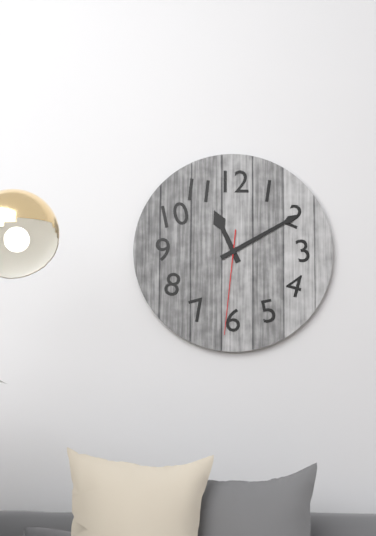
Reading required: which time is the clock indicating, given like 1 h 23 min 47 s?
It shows 11 h 10 min 31 s
